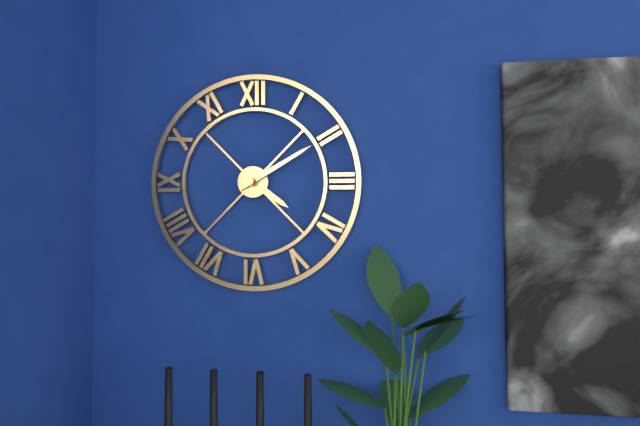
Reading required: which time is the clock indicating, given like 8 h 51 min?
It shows 4 h 10 min
